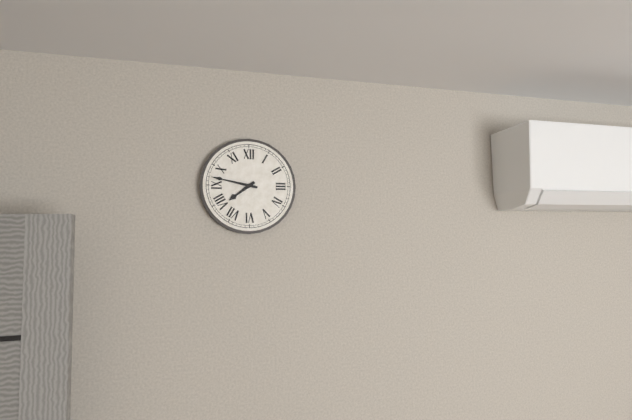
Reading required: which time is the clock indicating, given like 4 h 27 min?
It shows 7 h 47 min
